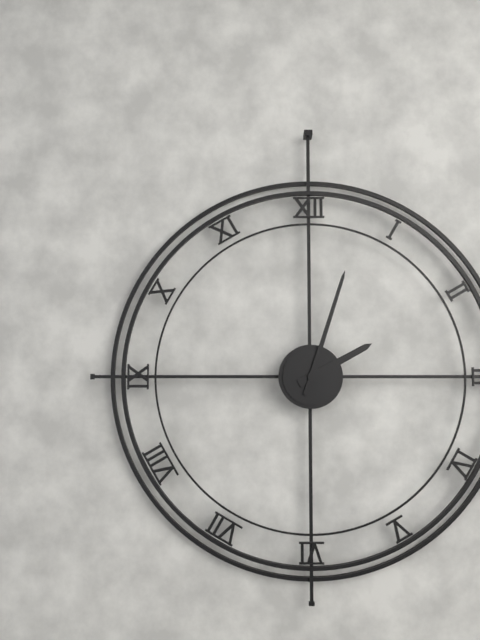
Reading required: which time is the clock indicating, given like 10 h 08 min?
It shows 2 h 03 min
